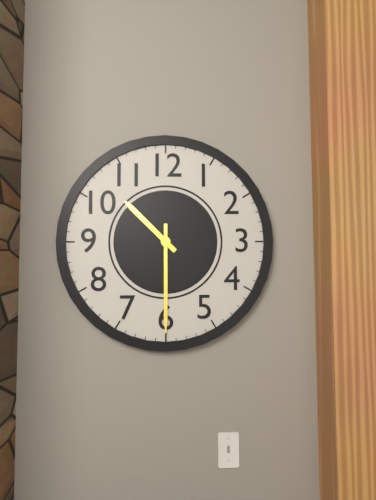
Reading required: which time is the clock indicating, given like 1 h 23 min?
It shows 10 h 30 min
